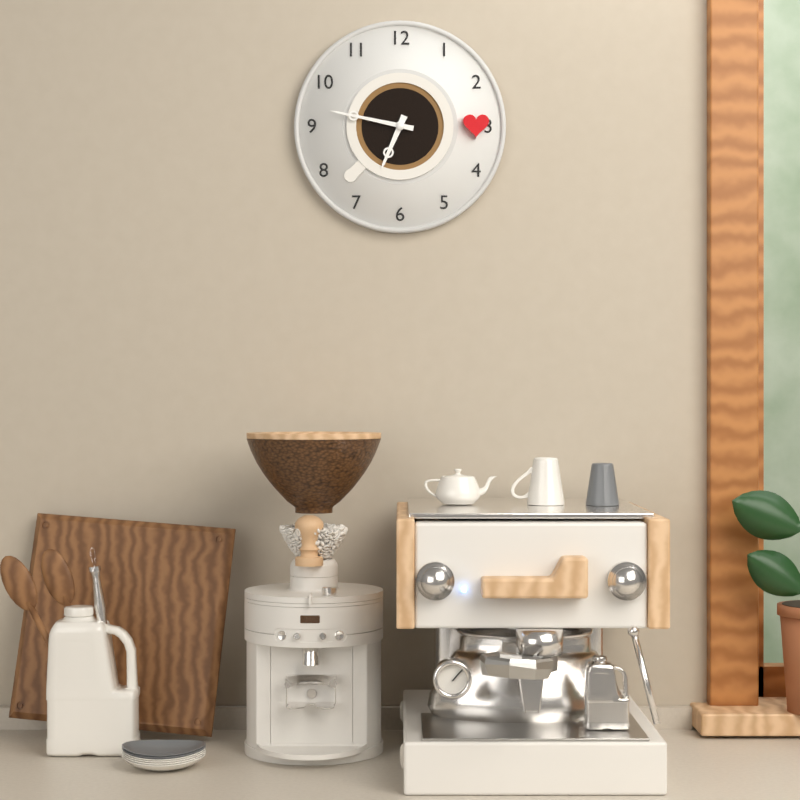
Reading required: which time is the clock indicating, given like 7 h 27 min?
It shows 6 h 47 min
